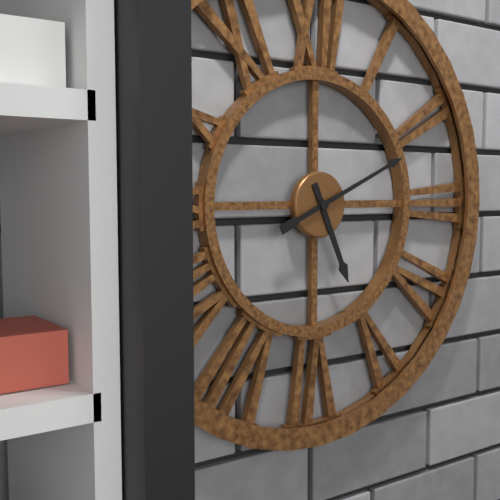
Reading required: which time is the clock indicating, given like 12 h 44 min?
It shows 5 h 11 min
